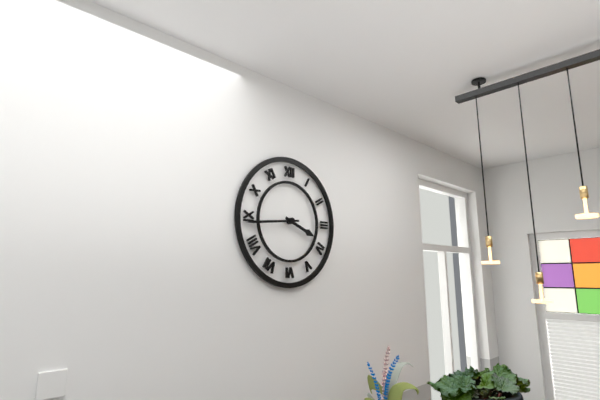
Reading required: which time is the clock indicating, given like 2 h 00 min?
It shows 3 h 44 min
